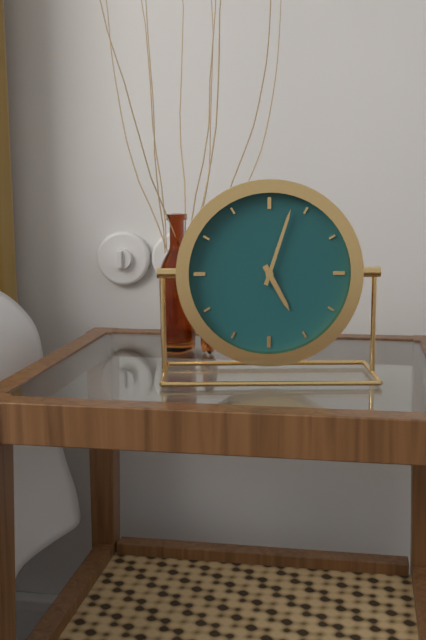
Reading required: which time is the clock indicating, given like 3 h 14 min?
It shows 5 h 03 min
